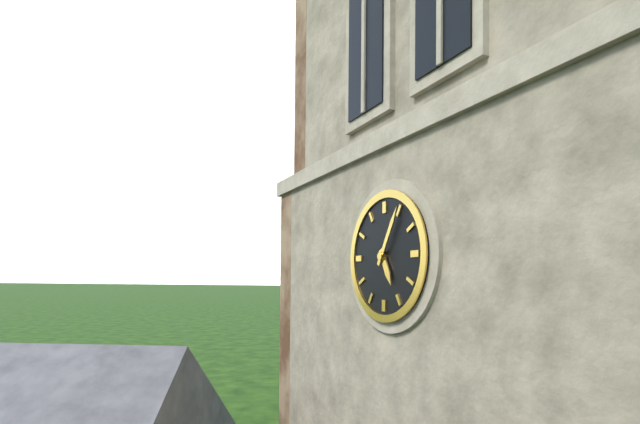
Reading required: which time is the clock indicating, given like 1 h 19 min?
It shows 5 h 05 min
